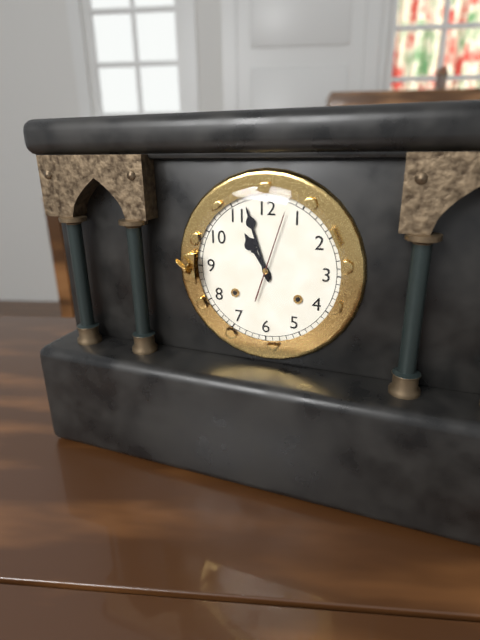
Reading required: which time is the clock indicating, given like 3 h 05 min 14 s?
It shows 10 h 57 min 03 s
